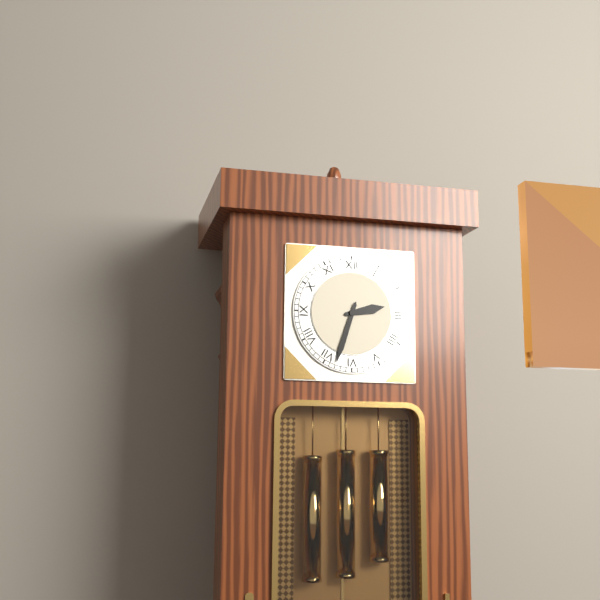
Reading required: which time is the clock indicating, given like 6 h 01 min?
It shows 2 h 33 min
